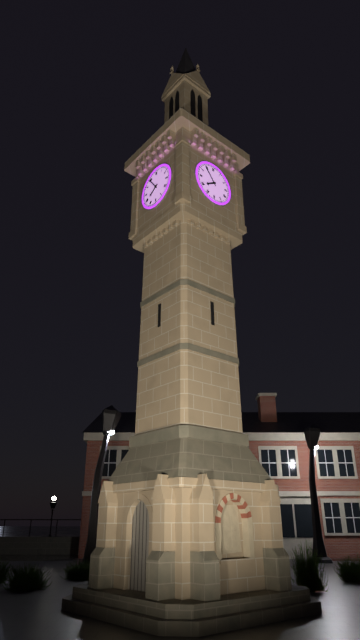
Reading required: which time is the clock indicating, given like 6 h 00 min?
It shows 7 h 54 min
